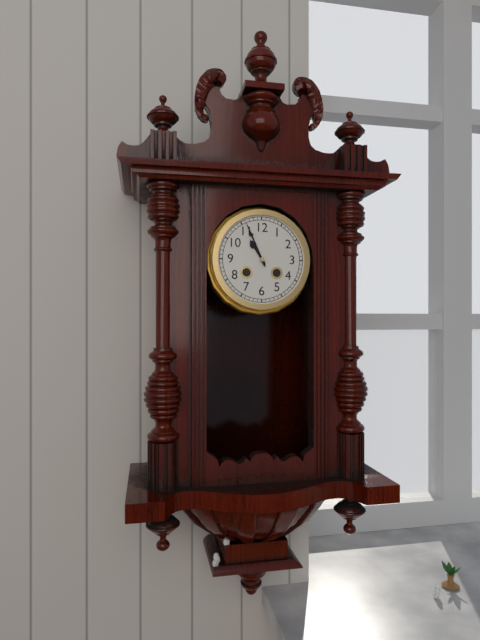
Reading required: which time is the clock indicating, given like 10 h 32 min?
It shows 10 h 56 min
